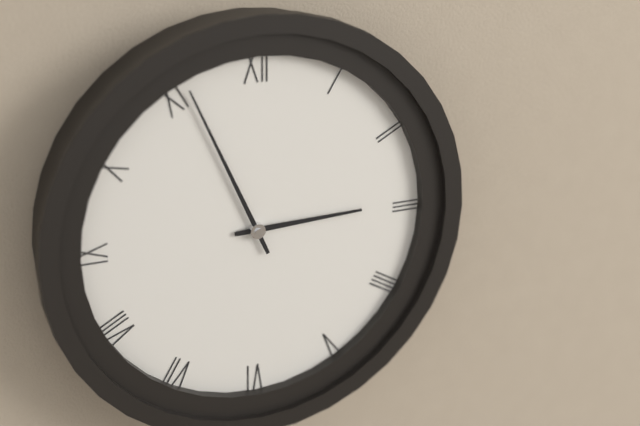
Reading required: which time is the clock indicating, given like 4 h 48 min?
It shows 2 h 56 min
